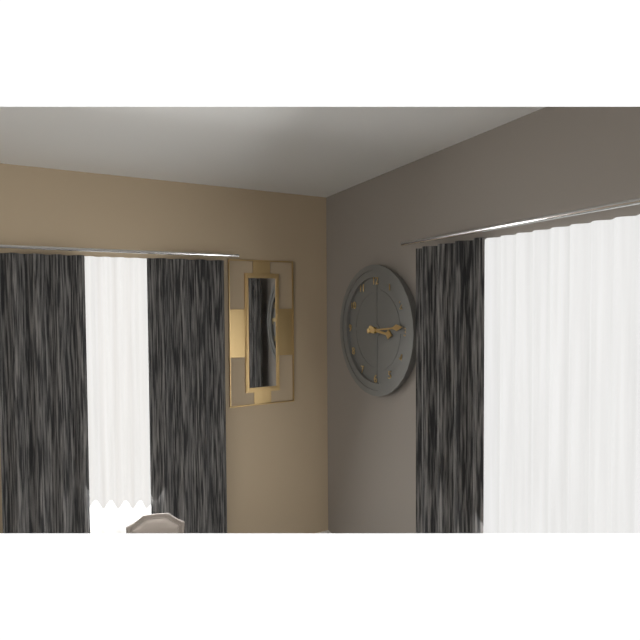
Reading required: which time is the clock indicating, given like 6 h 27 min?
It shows 3 h 14 min
